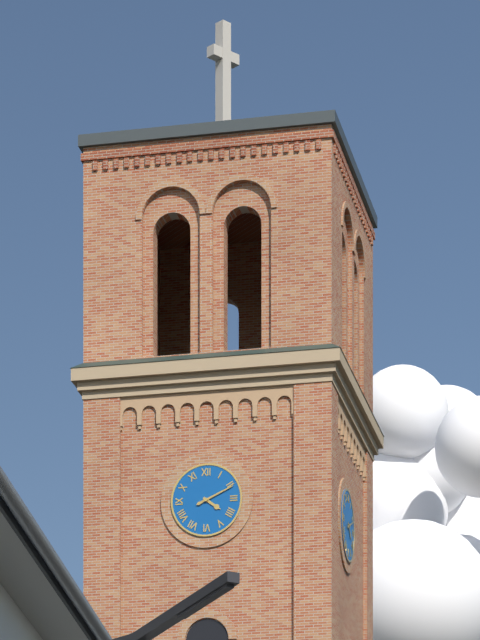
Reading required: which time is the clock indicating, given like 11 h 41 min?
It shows 4 h 11 min
